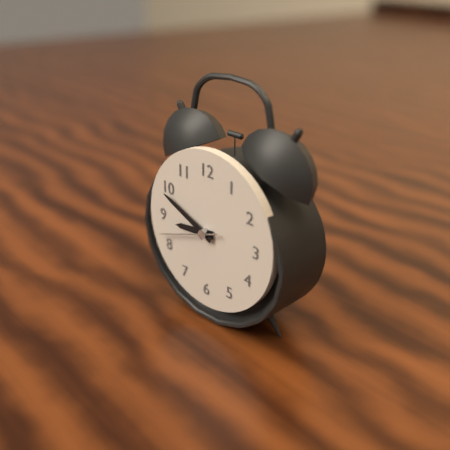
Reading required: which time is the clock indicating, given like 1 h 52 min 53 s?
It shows 8 h 49 min 42 s
